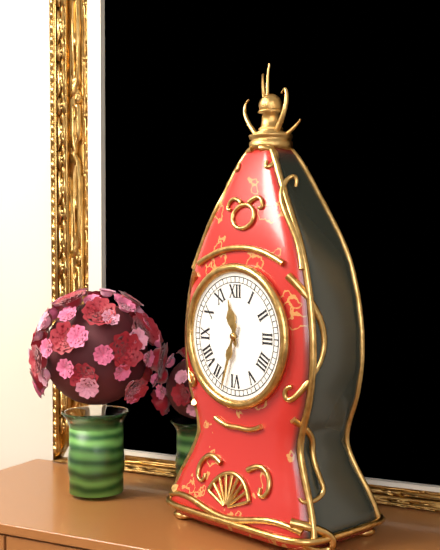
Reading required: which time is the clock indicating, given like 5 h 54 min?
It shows 11 h 33 min
